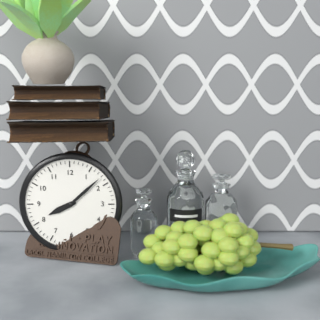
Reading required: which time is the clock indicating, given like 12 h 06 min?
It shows 8 h 08 min
